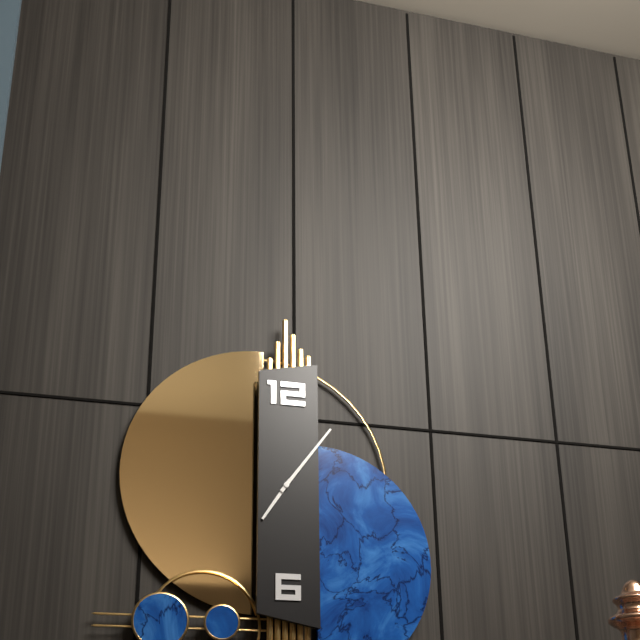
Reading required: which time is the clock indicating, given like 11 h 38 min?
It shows 7 h 06 min
